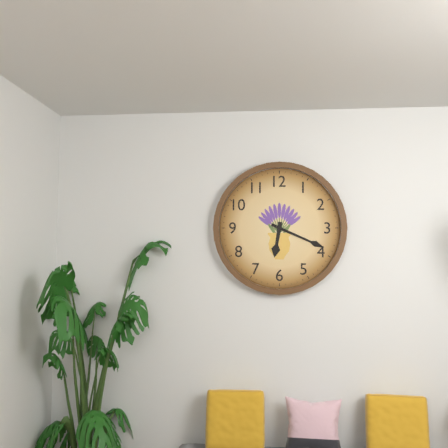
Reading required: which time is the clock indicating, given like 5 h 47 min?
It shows 6 h 19 min
